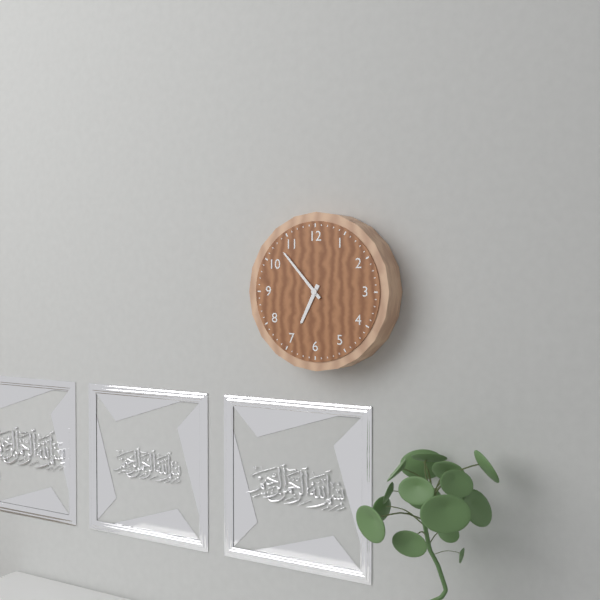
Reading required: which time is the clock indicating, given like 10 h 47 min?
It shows 6 h 53 min
